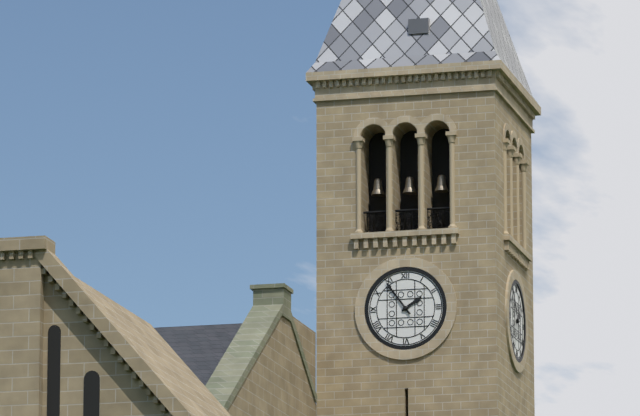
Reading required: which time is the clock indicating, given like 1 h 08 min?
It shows 1 h 54 min
